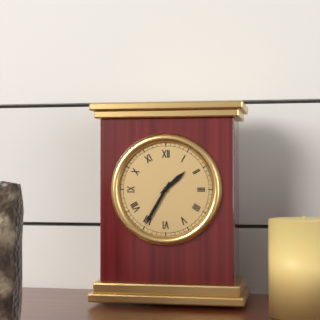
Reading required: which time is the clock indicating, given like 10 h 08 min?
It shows 1 h 35 min
